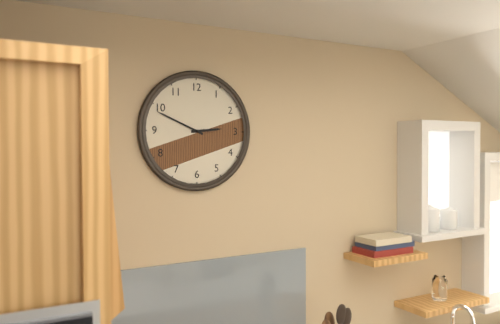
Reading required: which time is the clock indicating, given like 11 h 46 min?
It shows 2 h 49 min
